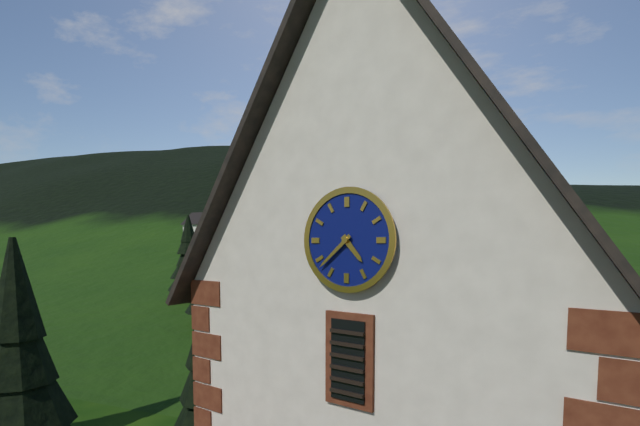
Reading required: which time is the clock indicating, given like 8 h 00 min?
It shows 4 h 38 min
